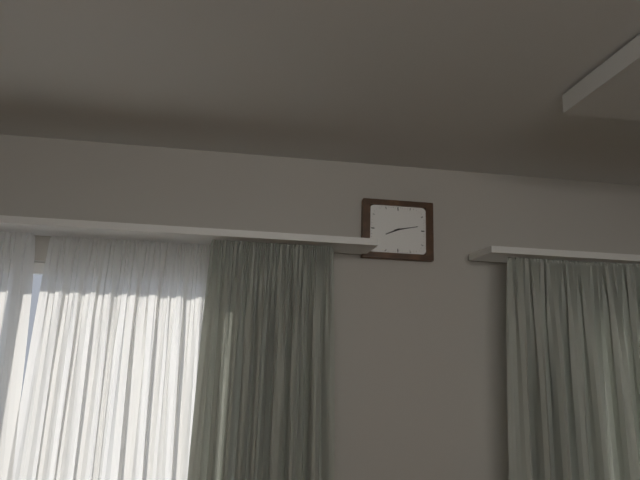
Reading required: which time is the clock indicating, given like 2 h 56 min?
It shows 8 h 13 min
